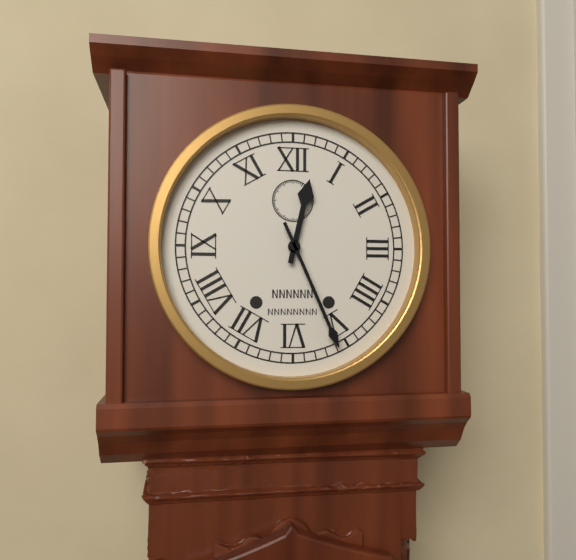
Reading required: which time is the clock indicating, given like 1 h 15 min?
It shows 12 h 26 min
